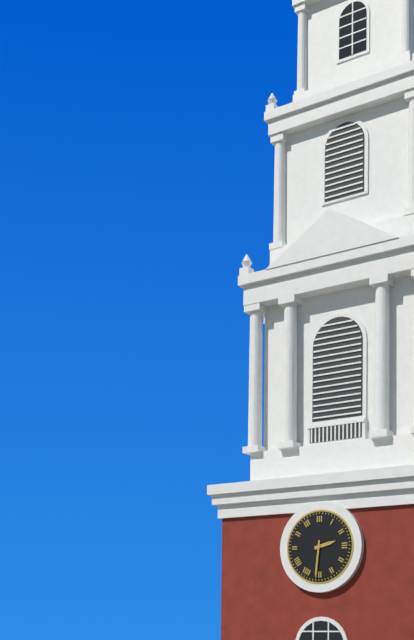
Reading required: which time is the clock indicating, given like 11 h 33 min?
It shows 2 h 31 min
